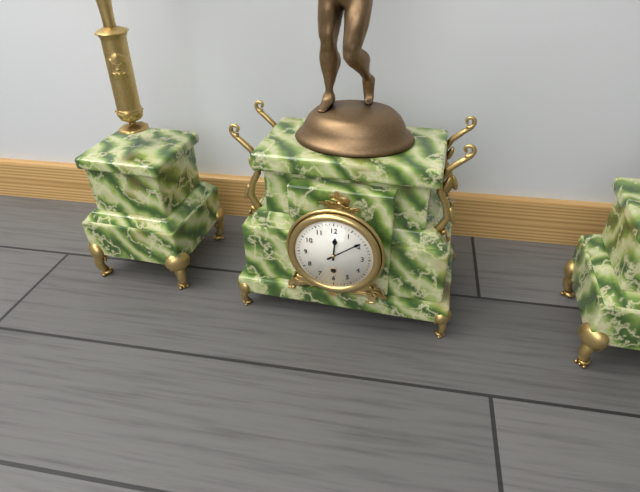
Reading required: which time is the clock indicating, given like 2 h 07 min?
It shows 12 h 09 min
